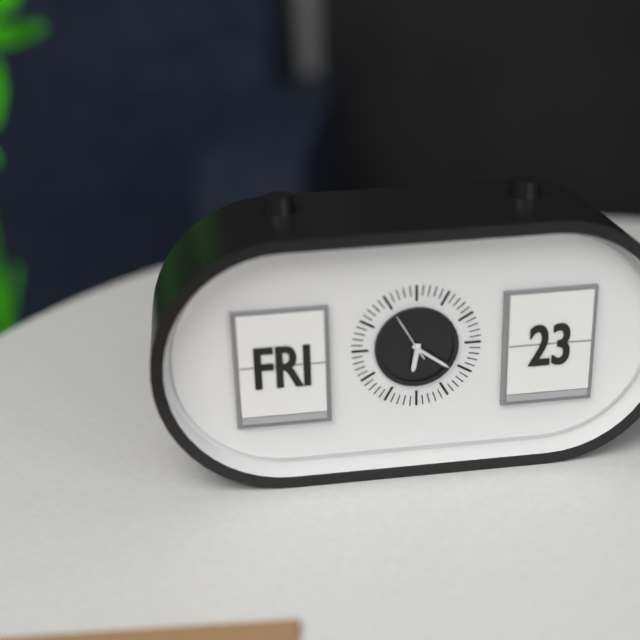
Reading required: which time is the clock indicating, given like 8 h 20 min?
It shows 6 h 21 min
